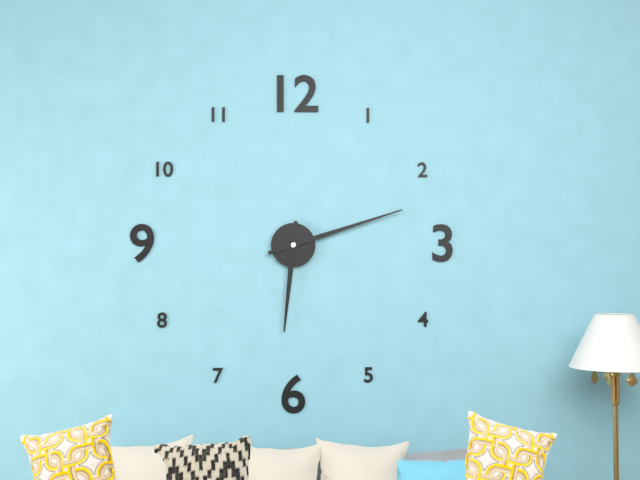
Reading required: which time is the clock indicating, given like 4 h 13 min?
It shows 6 h 12 min
